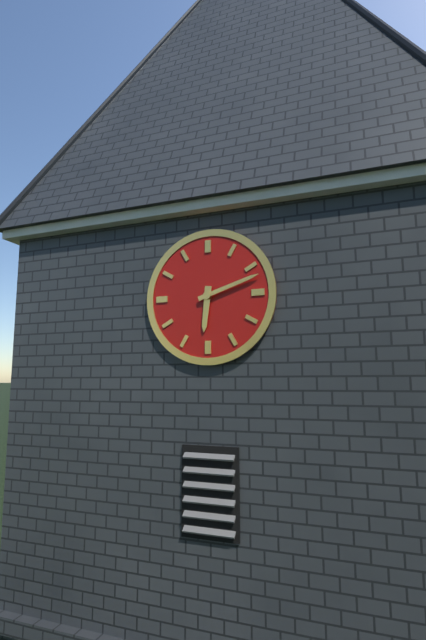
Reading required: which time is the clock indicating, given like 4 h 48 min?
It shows 6 h 12 min
